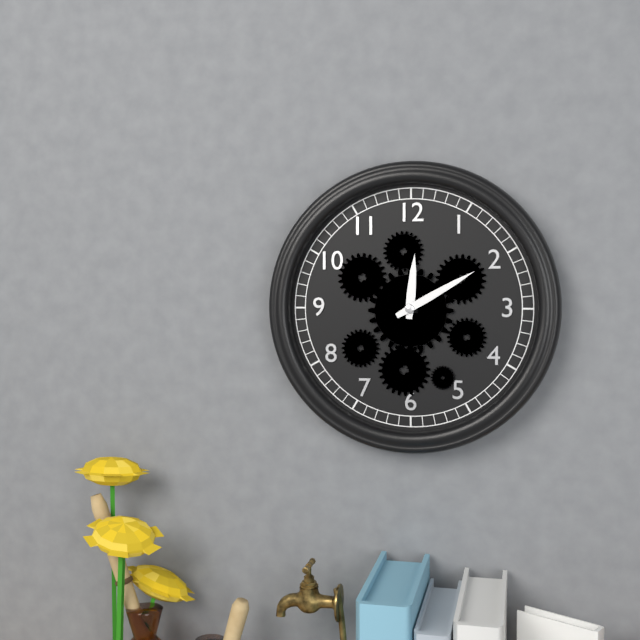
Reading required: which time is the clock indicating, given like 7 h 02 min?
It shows 12 h 10 min
